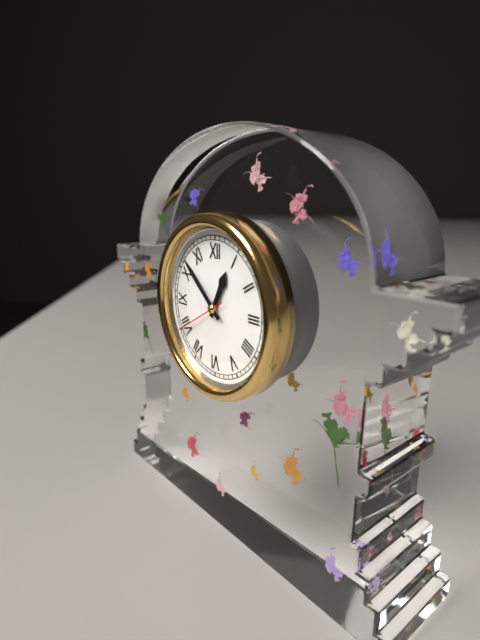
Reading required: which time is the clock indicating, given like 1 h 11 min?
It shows 12 h 52 min
